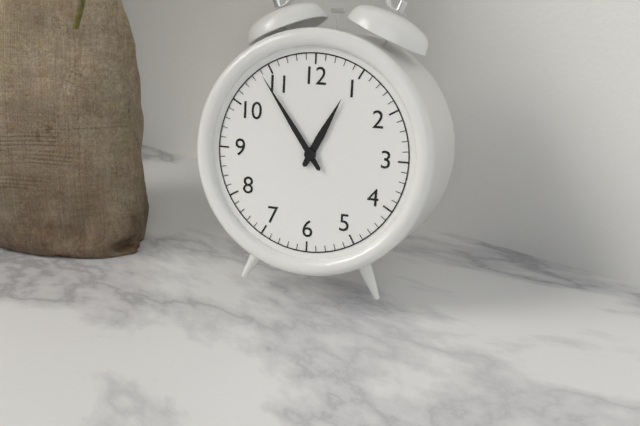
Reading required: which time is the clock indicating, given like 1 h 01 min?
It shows 12 h 54 min
